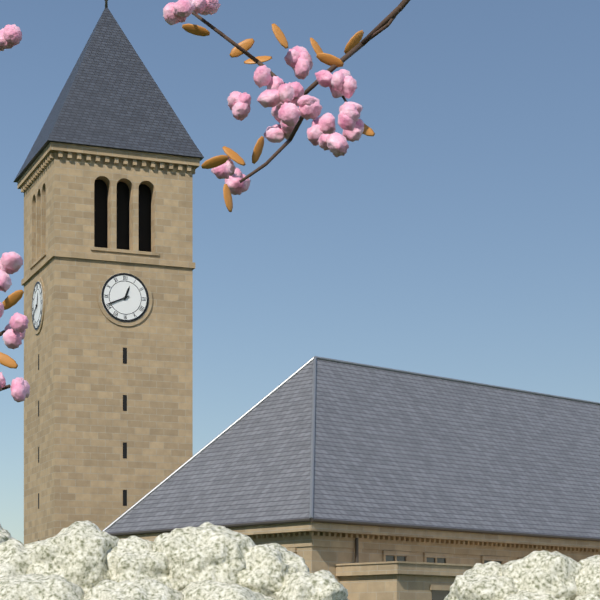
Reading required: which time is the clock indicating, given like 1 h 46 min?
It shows 12 h 41 min
